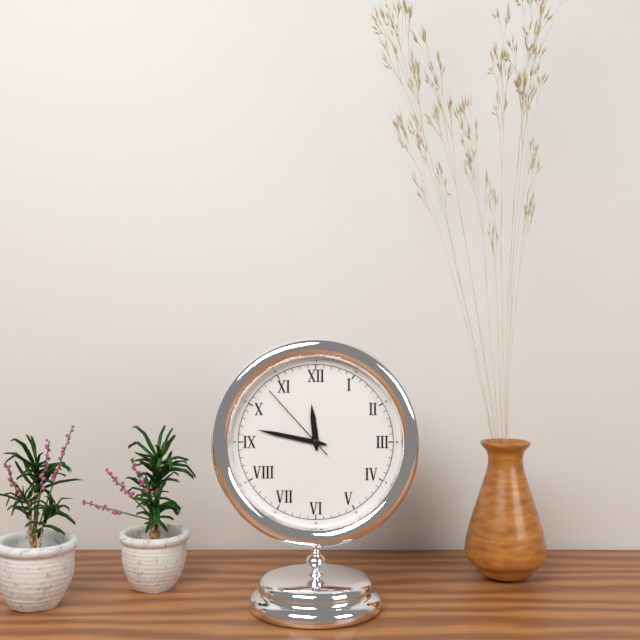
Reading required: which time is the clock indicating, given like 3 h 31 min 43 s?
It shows 11 h 47 min 53 s
